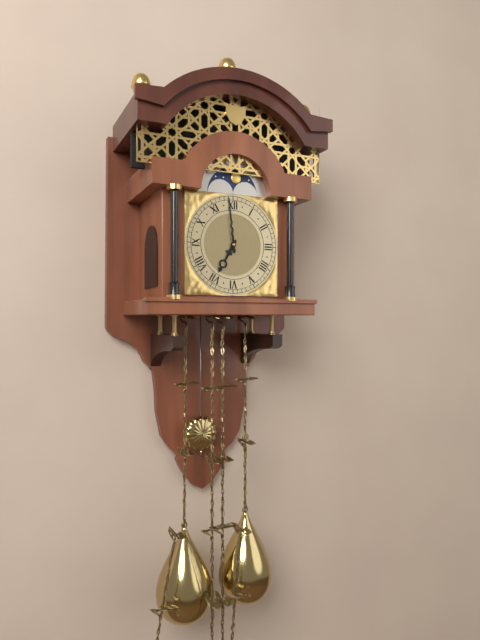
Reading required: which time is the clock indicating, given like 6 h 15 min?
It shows 6 h 59 min
